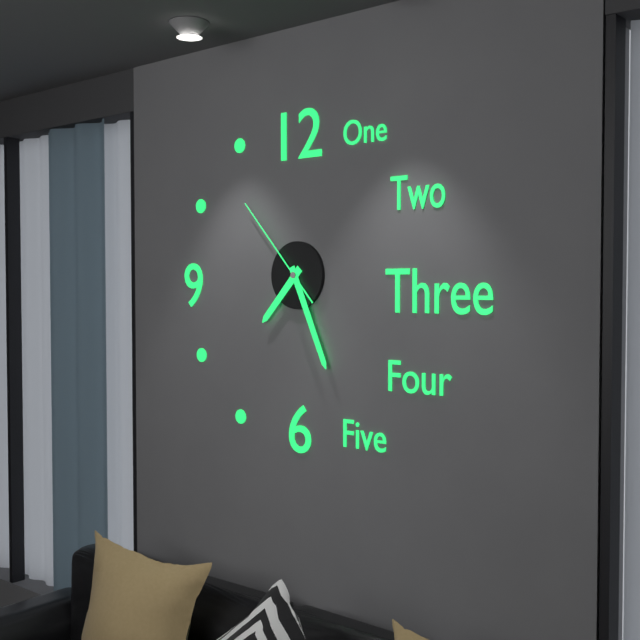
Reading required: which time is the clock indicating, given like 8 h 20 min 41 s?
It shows 7 h 26 min 53 s
